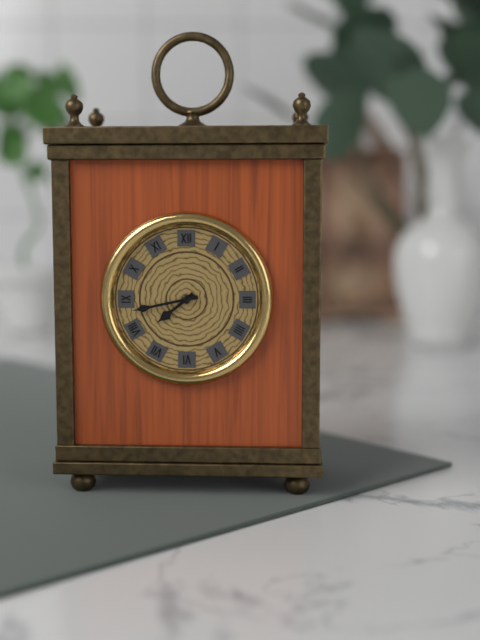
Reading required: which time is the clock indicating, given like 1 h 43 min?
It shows 7 h 43 min
